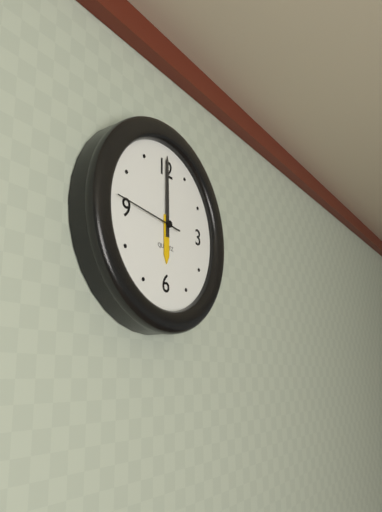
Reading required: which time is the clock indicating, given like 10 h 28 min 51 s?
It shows 6 h 00 min 46 s
